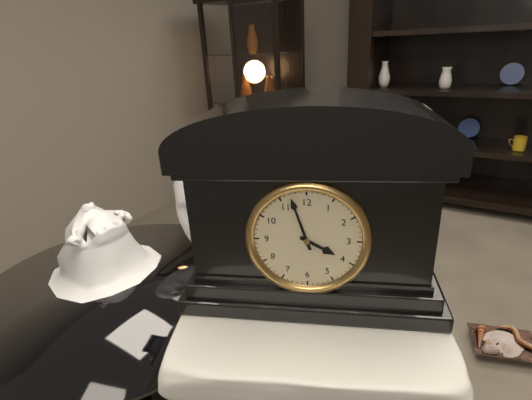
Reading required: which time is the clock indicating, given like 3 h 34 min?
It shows 3 h 57 min
